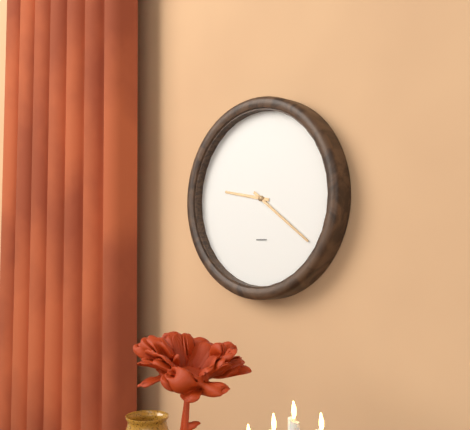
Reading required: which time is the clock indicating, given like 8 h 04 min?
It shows 9 h 21 min
